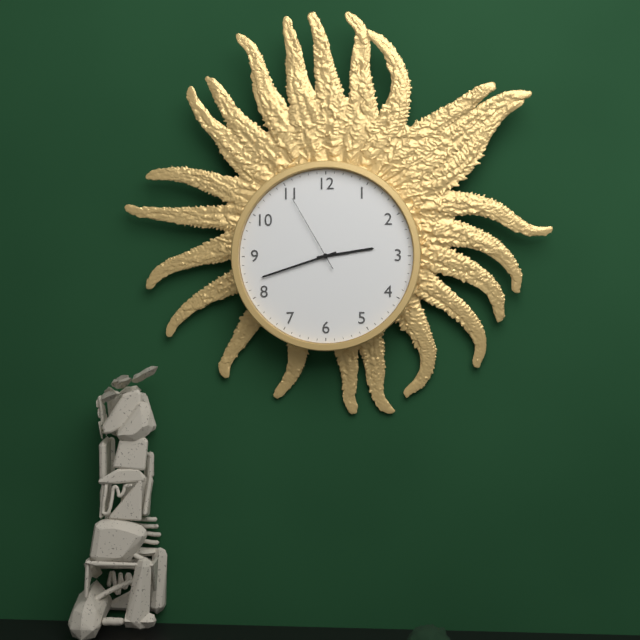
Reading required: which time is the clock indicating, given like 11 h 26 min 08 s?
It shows 2 h 42 min 55 s
